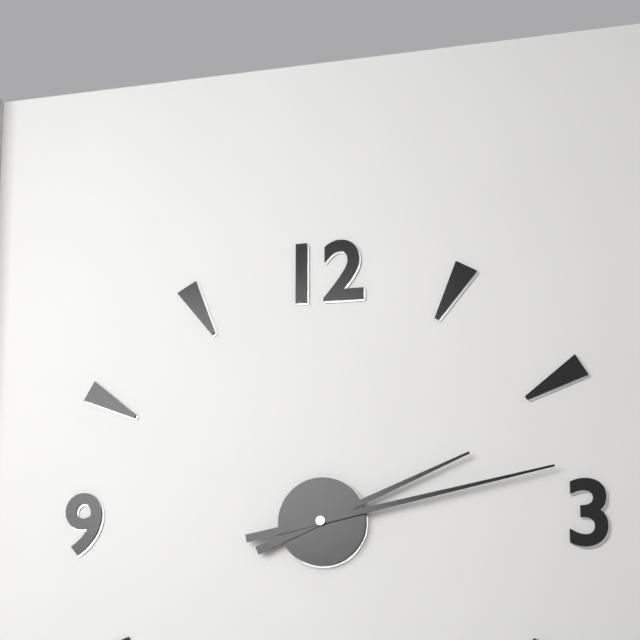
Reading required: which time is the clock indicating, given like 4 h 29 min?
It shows 2 h 13 min
